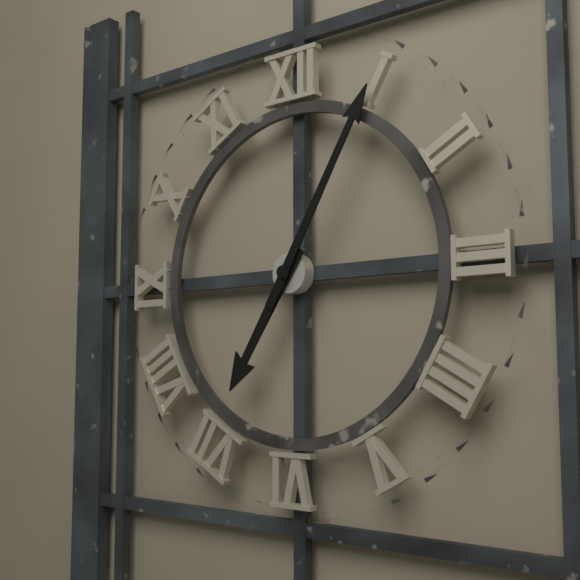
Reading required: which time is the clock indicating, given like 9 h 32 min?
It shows 7 h 05 min
